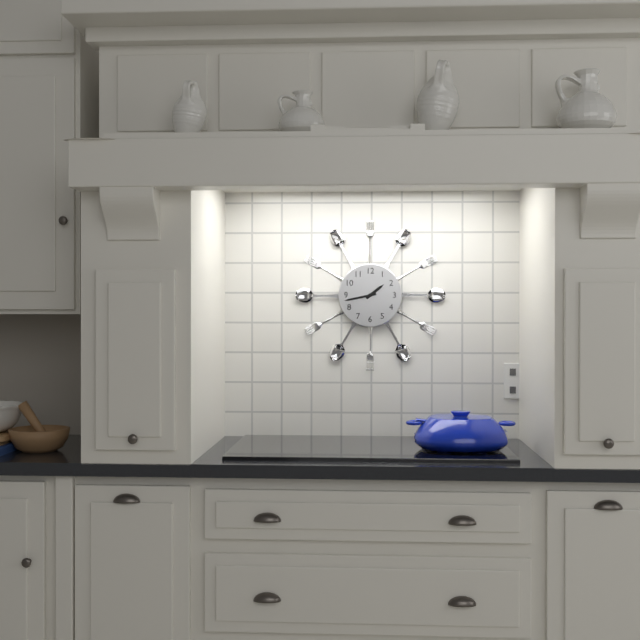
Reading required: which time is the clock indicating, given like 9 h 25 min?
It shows 1 h 43 min
